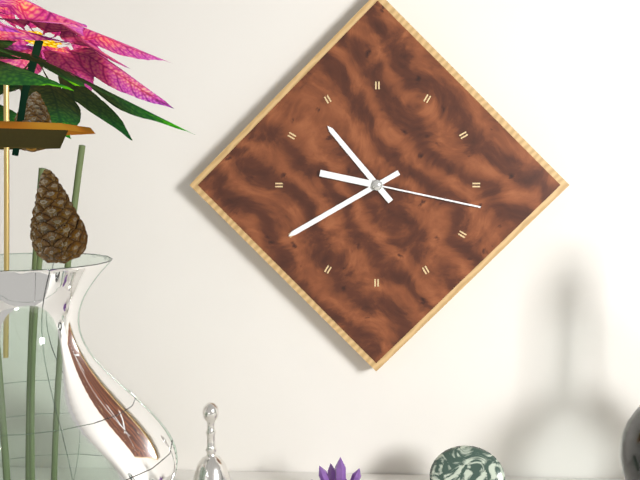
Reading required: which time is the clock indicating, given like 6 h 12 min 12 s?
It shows 10 h 40 min 17 s
